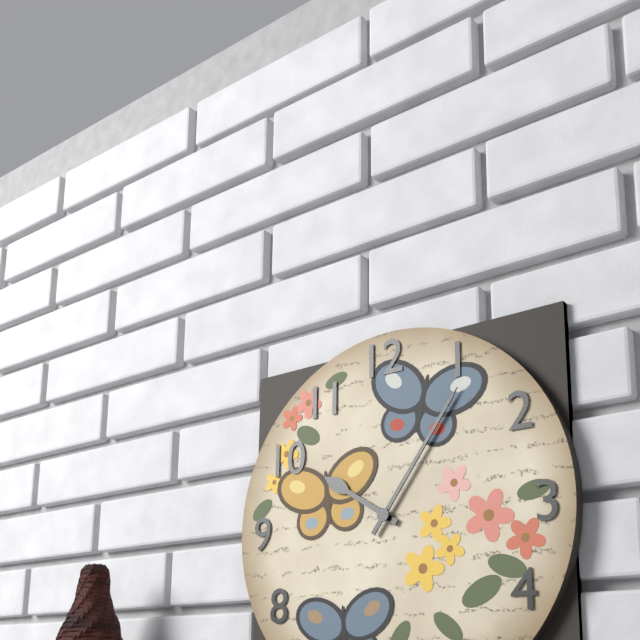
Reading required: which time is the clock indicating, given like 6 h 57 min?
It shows 10 h 06 min
